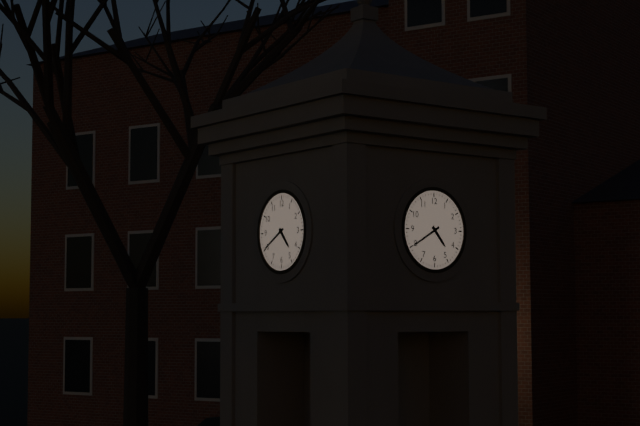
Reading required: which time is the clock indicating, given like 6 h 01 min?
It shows 4 h 40 min
